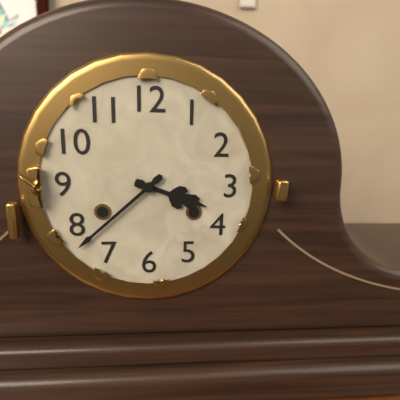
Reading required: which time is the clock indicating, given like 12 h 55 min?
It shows 3 h 38 min
